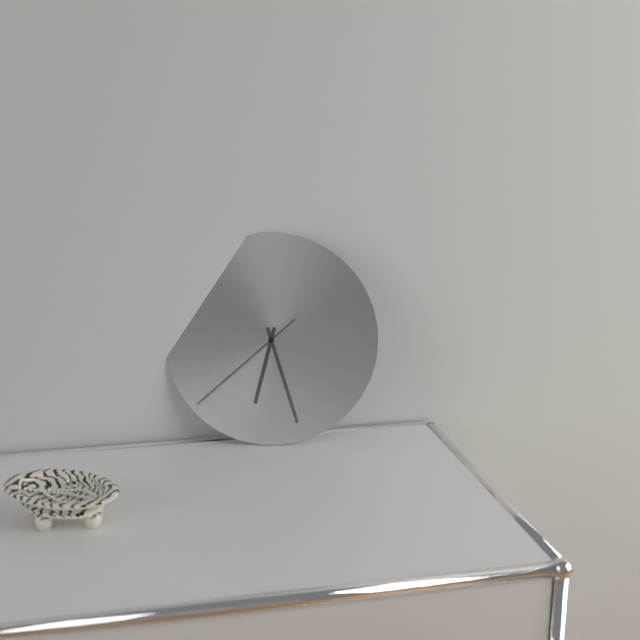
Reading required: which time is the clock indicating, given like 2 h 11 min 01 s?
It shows 6 h 27 min 38 s
